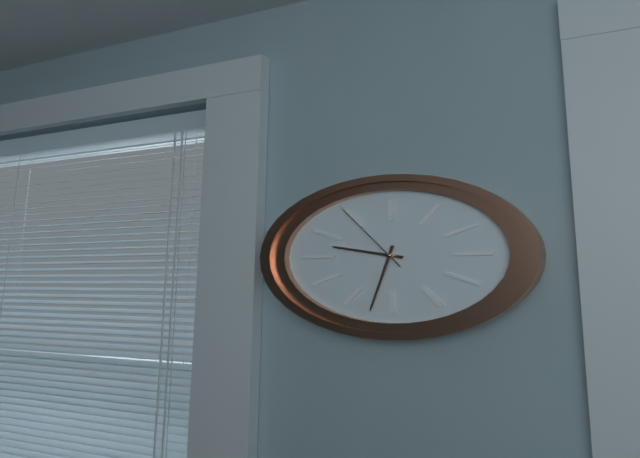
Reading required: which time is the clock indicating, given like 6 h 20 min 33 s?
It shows 9 h 32 min 55 s
